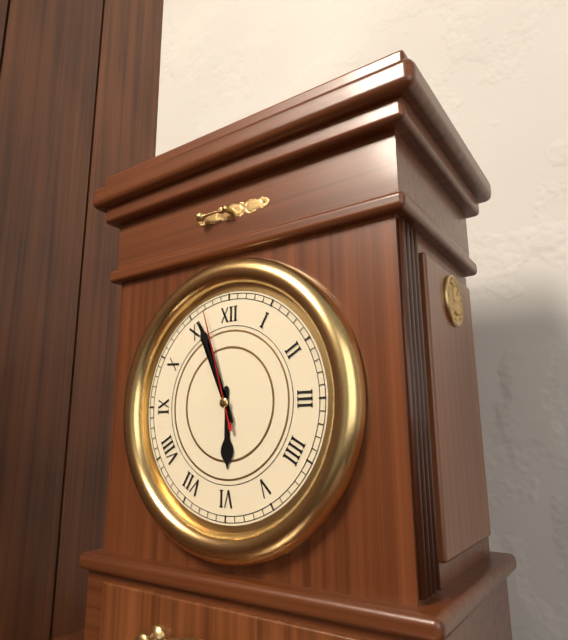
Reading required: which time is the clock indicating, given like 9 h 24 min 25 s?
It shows 5 h 56 min 57 s
